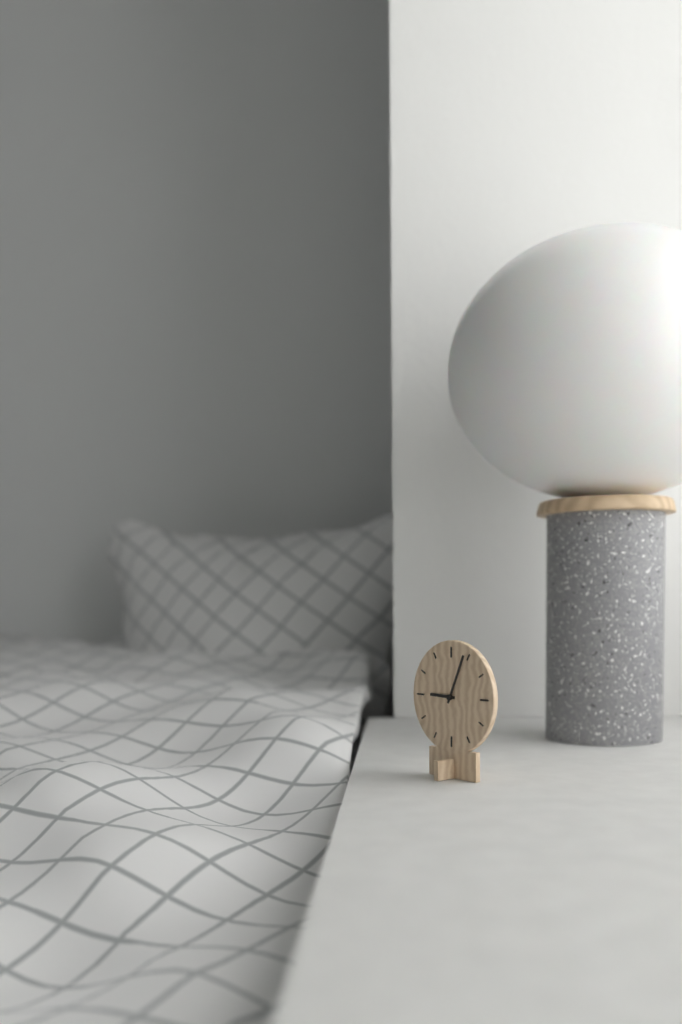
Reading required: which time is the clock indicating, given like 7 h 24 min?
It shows 9 h 04 min
